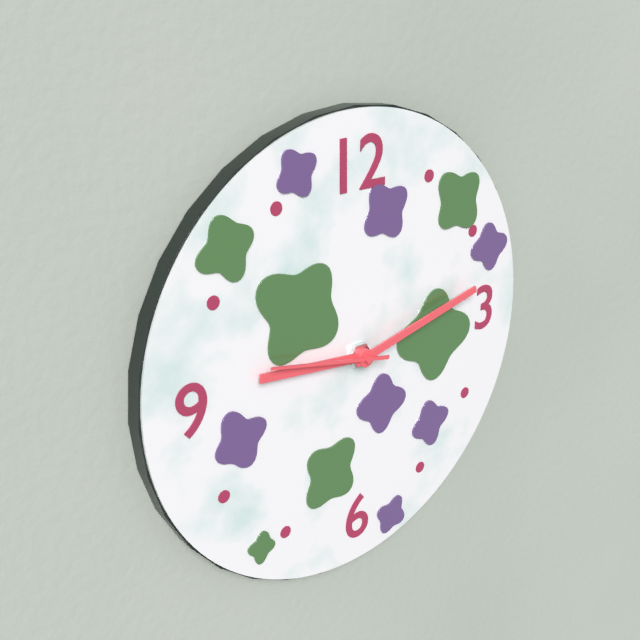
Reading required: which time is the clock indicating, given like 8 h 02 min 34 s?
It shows 9 h 13 min 47 s
